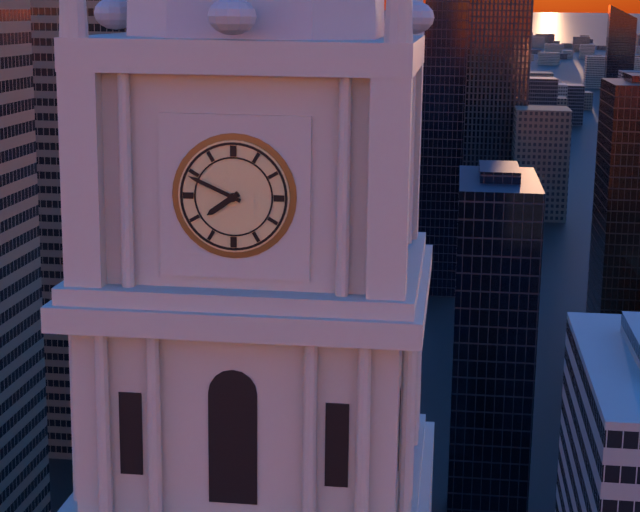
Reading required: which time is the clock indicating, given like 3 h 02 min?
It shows 7 h 49 min
